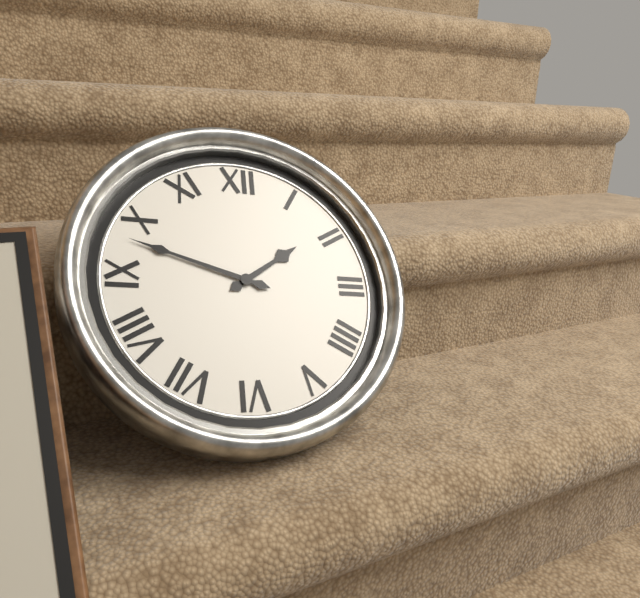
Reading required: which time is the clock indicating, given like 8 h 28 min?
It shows 1 h 48 min
